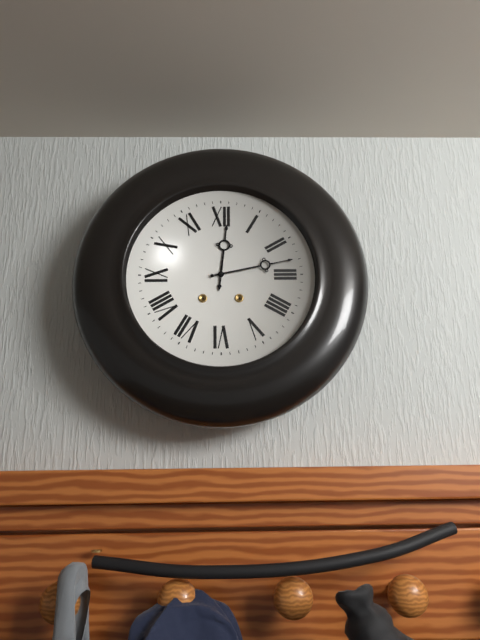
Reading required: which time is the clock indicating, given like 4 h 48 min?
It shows 12 h 13 min
